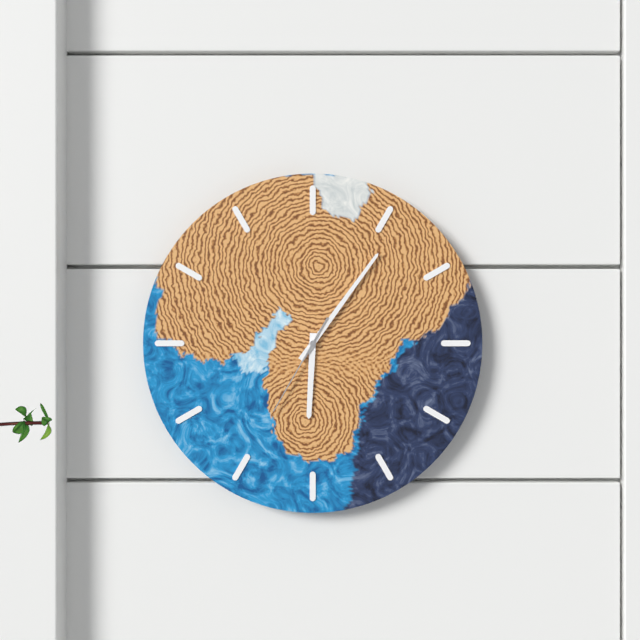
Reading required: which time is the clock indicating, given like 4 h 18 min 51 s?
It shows 6 h 06 min 35 s
